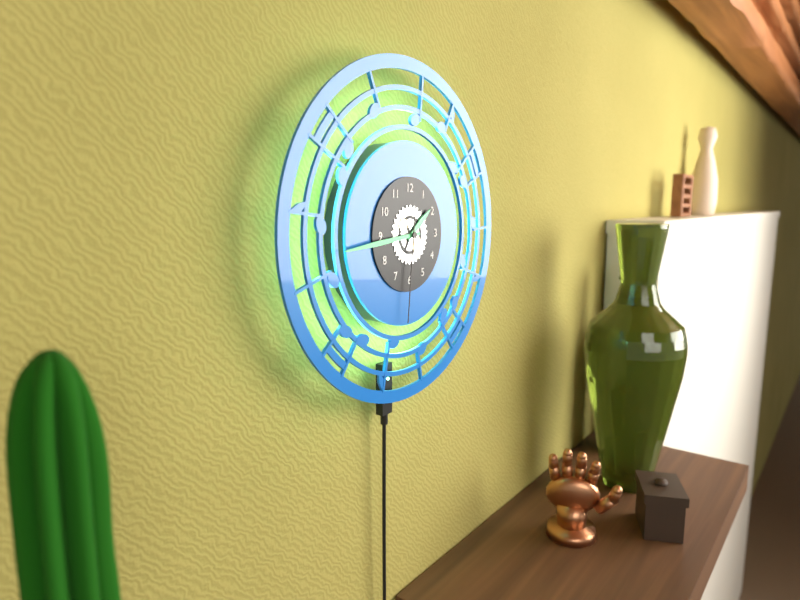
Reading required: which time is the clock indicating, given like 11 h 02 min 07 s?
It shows 1 h 44 min 31 s
